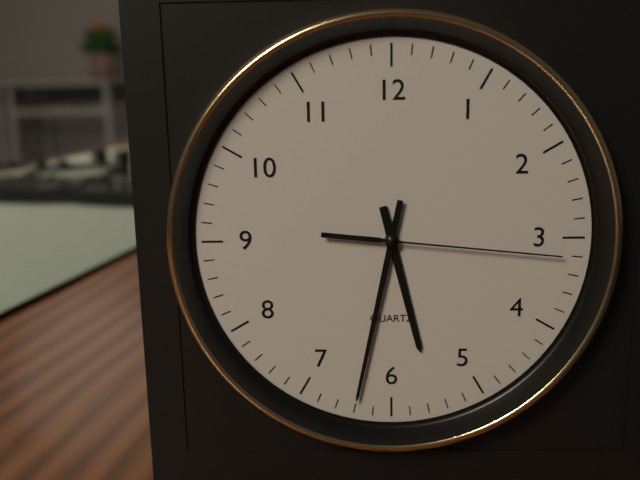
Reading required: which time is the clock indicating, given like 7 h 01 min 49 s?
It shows 5 h 32 min 16 s
